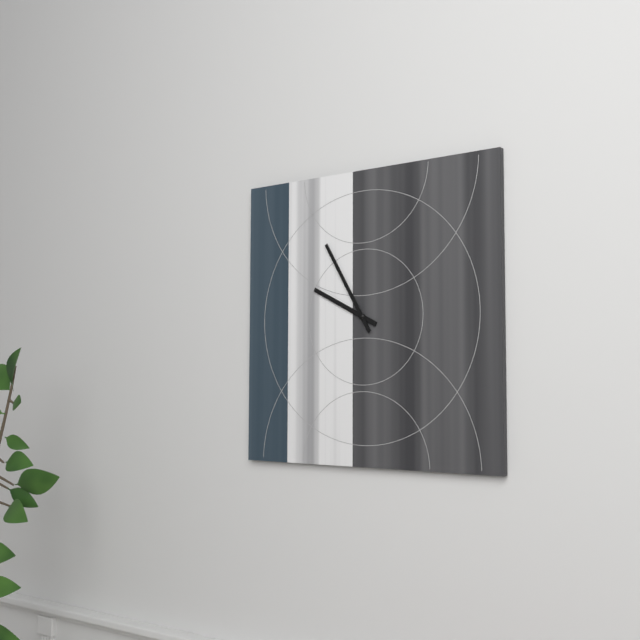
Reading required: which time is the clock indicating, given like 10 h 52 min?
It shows 9 h 55 min
